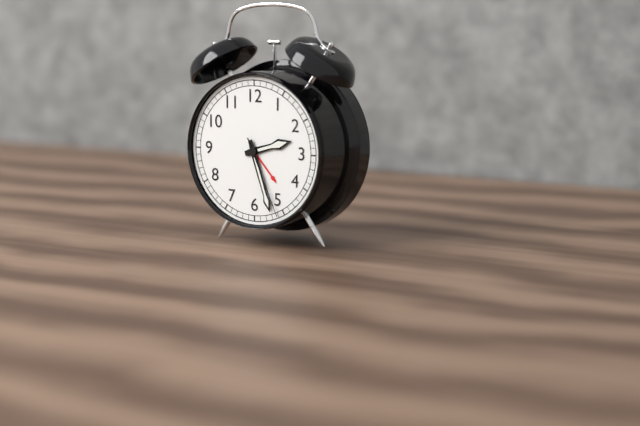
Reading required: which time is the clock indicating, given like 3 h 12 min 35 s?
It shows 2 h 27 min 26 s
